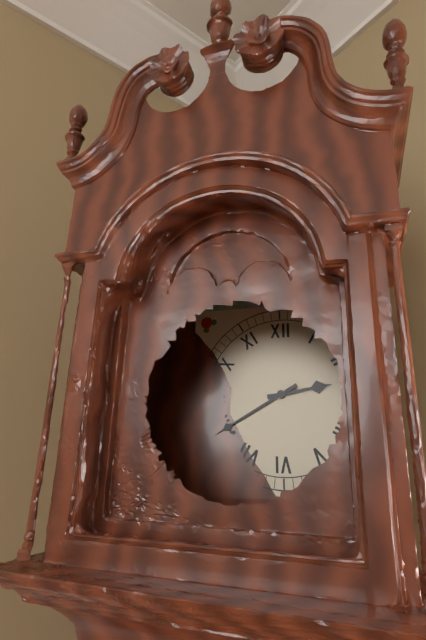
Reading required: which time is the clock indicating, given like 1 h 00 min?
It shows 2 h 40 min
